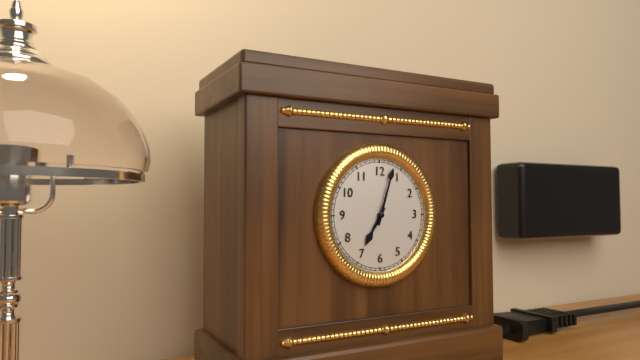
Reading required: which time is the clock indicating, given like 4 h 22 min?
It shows 7 h 03 min
